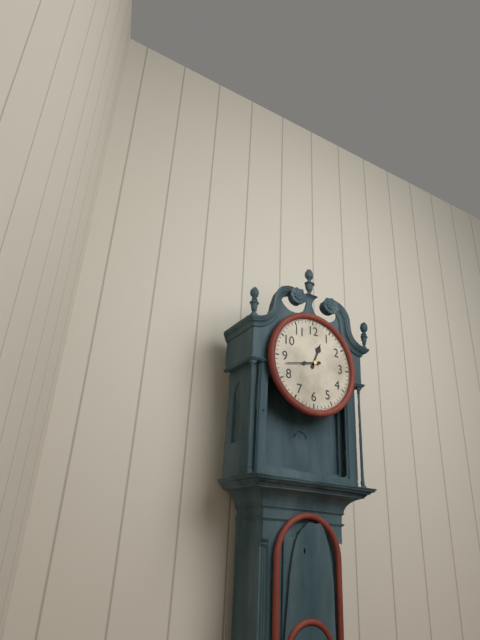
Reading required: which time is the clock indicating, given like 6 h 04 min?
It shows 12 h 43 min
